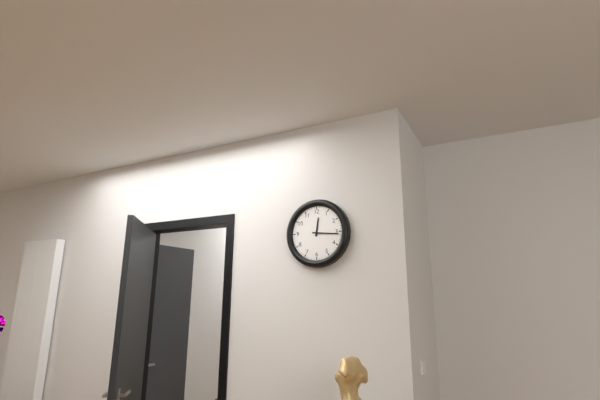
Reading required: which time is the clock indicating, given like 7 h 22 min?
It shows 12 h 16 min
